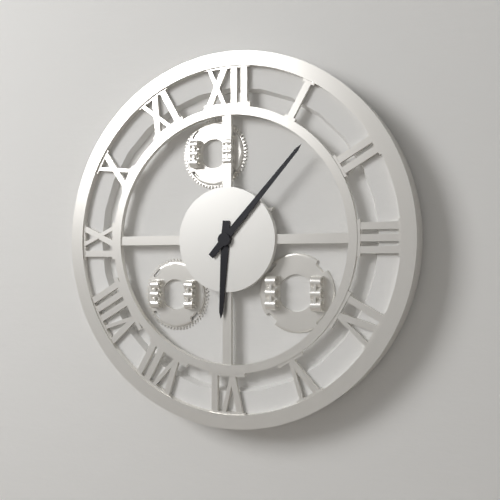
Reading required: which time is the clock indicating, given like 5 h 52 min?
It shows 6 h 07 min
